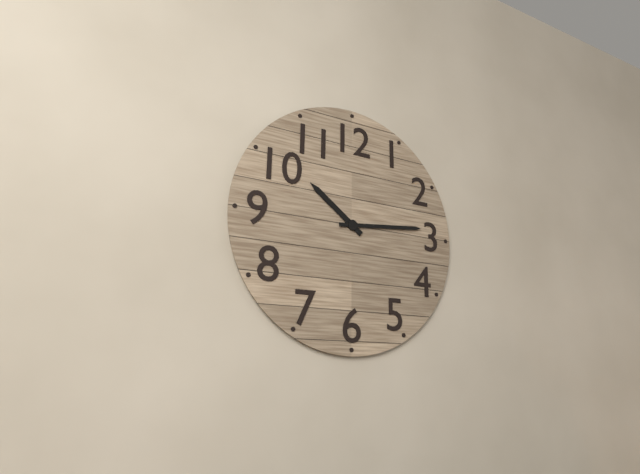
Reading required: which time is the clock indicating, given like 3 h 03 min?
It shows 10 h 14 min
